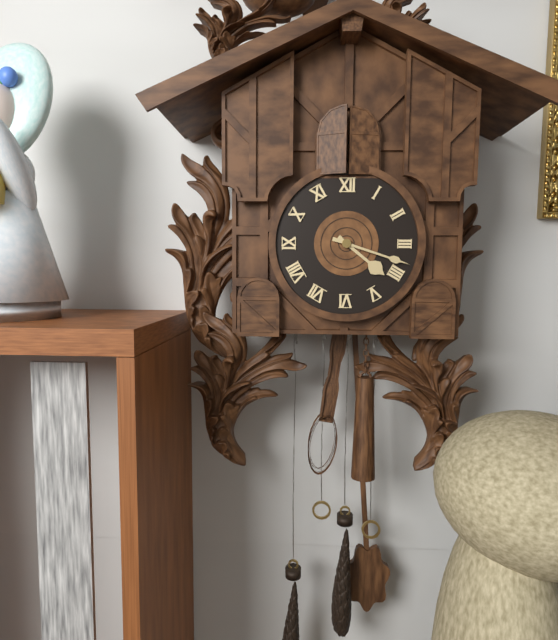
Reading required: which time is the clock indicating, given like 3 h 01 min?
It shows 4 h 18 min
